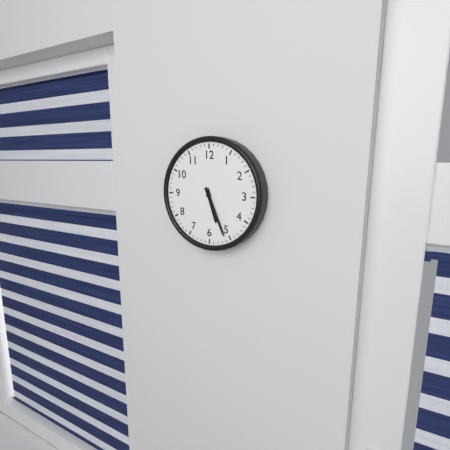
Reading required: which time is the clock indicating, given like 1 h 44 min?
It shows 5 h 26 min
